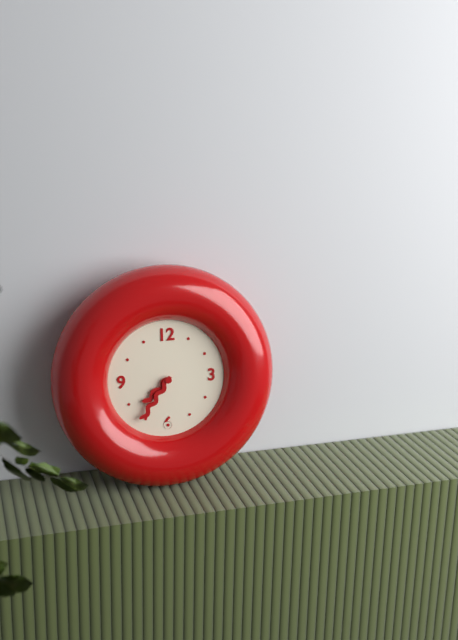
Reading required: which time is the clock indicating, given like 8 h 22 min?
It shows 7 h 36 min
